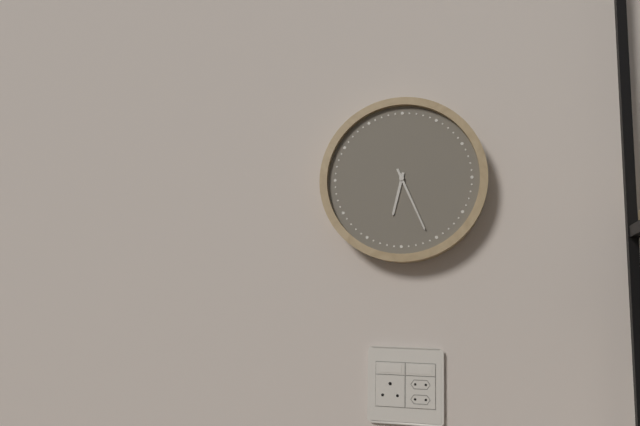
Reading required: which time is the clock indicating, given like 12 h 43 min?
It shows 6 h 26 min
